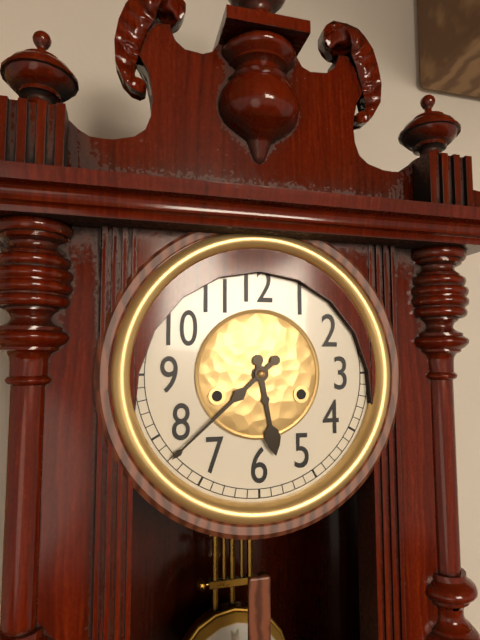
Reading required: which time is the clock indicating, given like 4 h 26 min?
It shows 5 h 38 min
